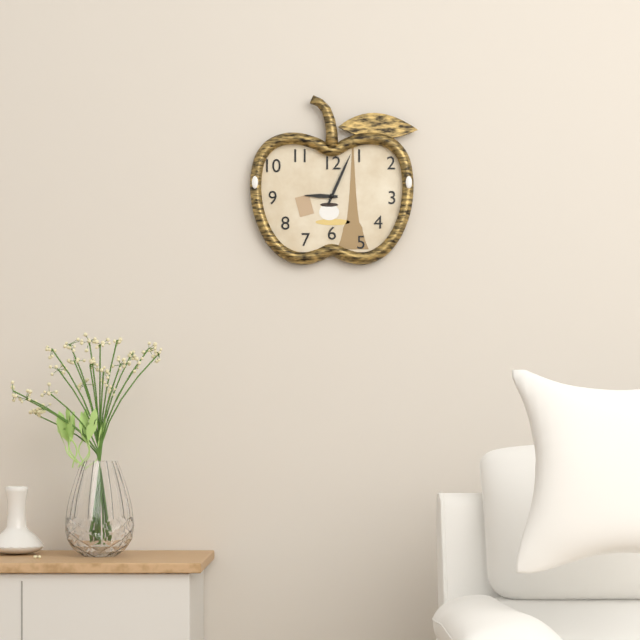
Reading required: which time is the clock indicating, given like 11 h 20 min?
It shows 9 h 04 min
